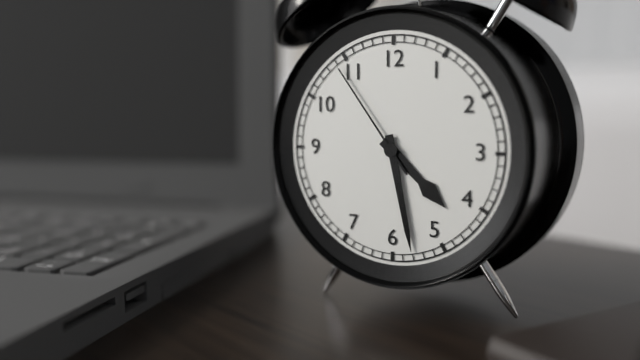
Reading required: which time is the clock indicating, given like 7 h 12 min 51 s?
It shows 4 h 28 min 54 s
